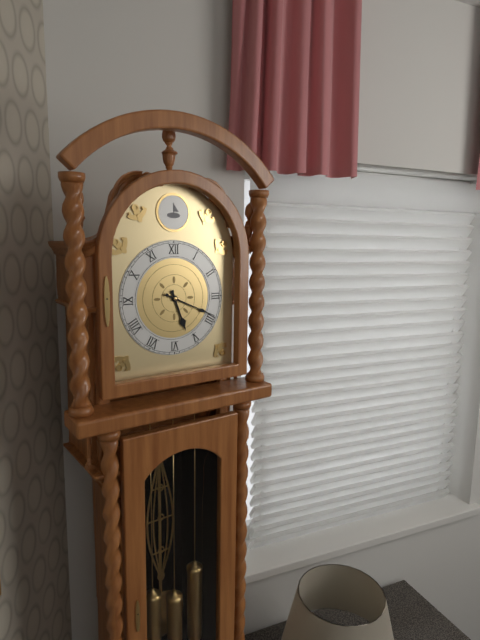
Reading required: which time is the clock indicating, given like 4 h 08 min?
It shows 5 h 19 min
